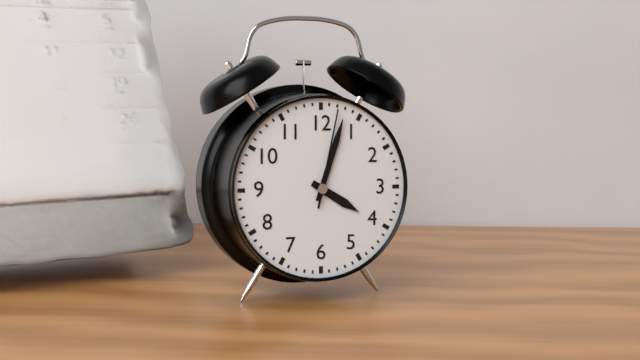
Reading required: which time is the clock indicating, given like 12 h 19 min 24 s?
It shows 4 h 03 min 02 s
